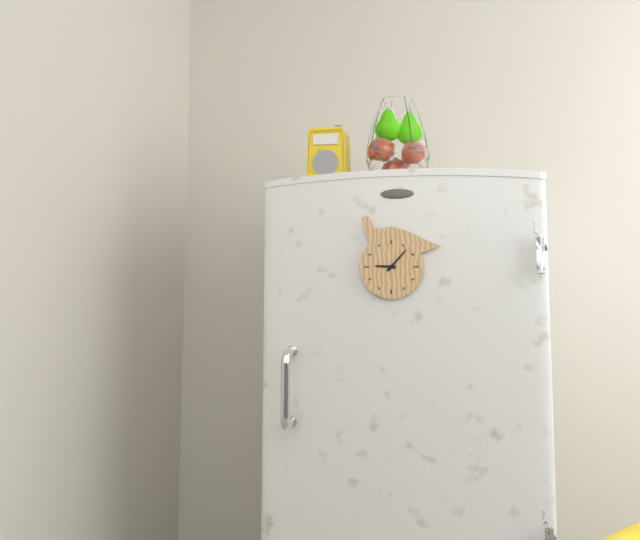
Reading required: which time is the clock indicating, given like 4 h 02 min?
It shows 9 h 07 min
